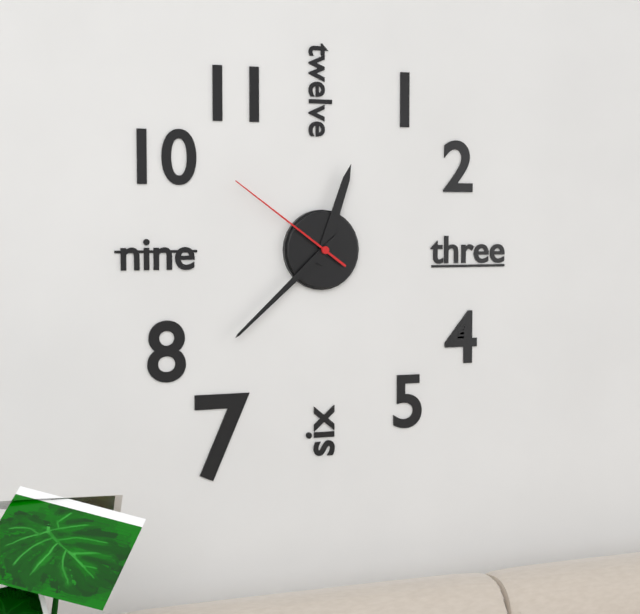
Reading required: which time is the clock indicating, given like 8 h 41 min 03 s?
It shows 12 h 38 min 51 s
